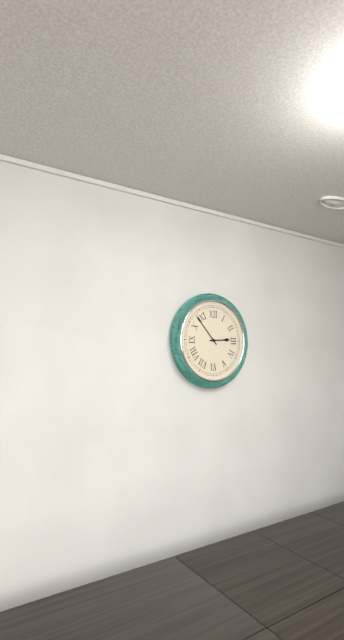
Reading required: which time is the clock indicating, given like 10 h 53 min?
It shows 2 h 53 min
